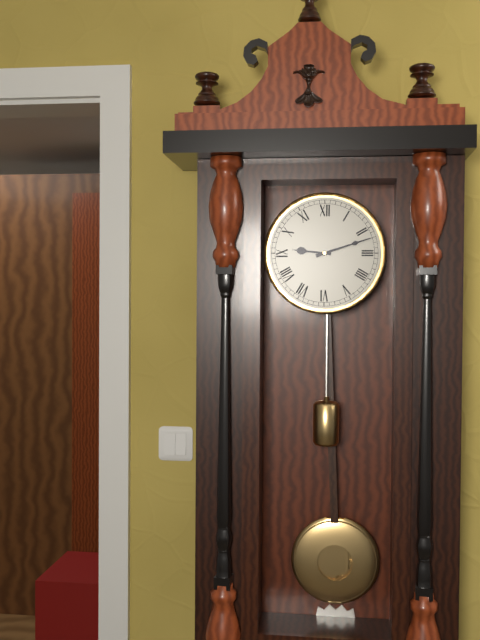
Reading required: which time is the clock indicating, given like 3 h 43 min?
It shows 9 h 12 min
